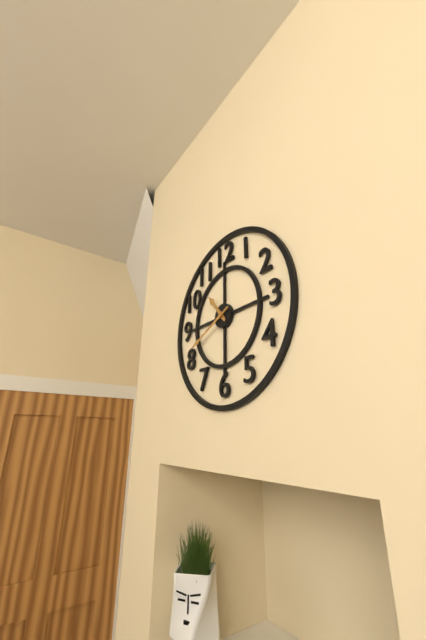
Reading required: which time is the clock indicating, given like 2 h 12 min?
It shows 10 h 41 min
